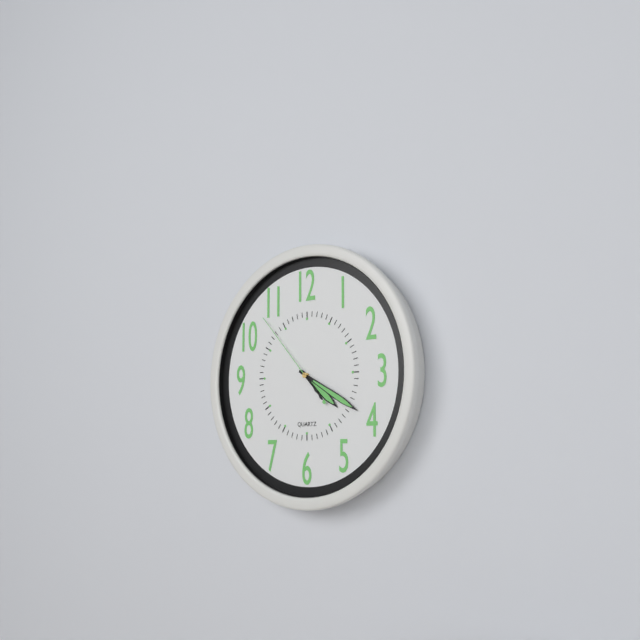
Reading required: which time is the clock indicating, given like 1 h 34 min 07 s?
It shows 4 h 20 min 53 s
